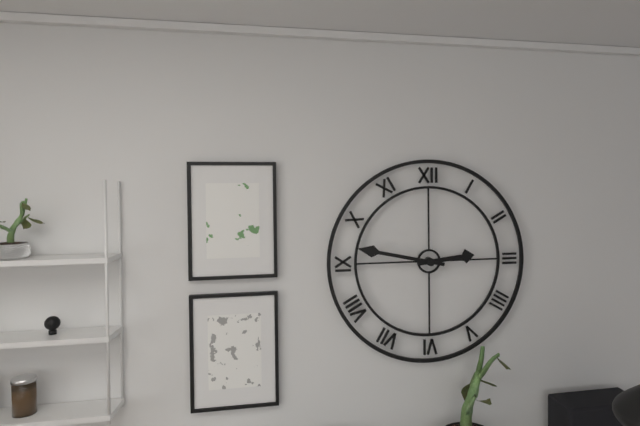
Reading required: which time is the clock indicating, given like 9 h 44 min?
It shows 2 h 47 min
